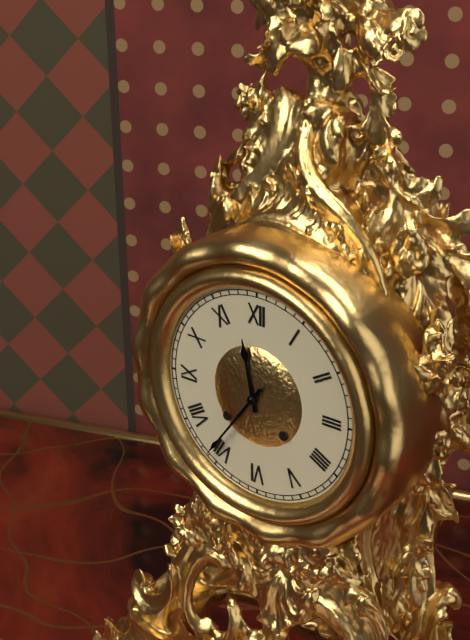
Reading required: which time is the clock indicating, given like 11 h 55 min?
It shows 11 h 36 min
